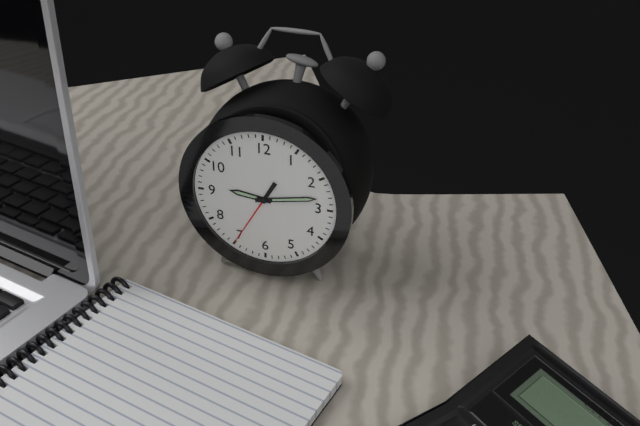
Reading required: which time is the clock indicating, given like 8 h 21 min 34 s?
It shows 9 h 13 min 35 s
